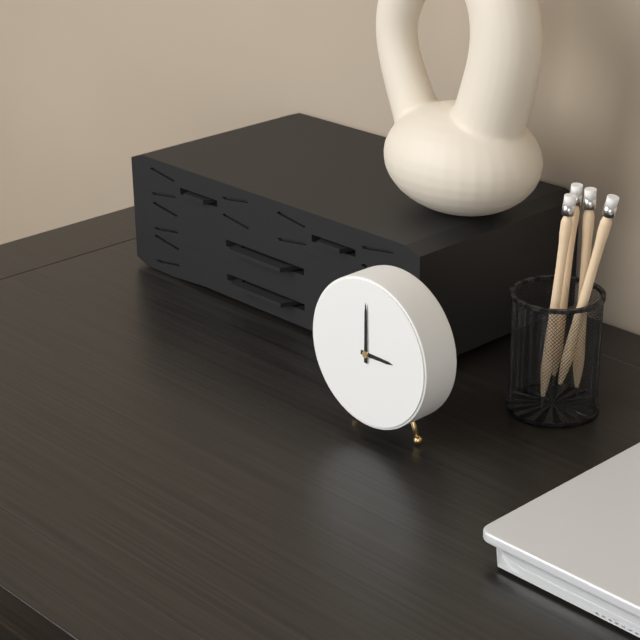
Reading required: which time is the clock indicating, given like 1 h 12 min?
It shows 3 h 00 min
